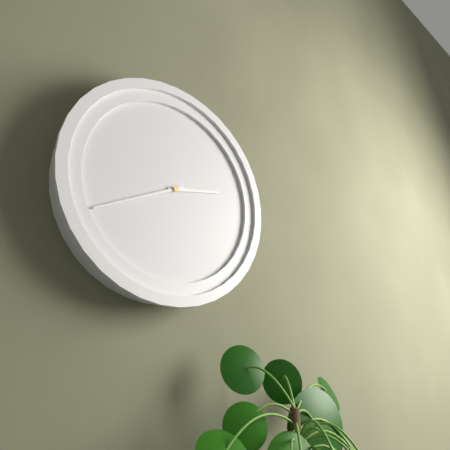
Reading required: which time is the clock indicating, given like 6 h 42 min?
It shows 2 h 41 min
